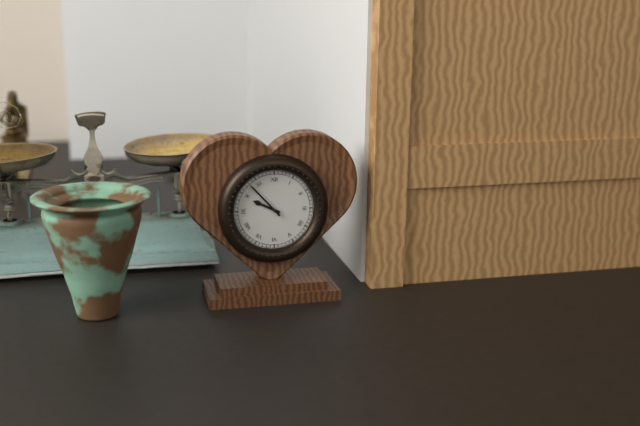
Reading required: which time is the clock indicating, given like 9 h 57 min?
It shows 9 h 53 min
